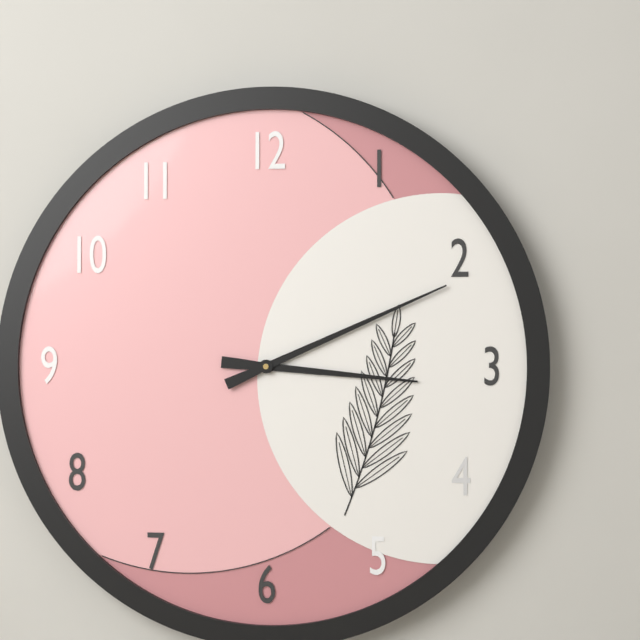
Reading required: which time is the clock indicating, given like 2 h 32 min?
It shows 3 h 11 min
